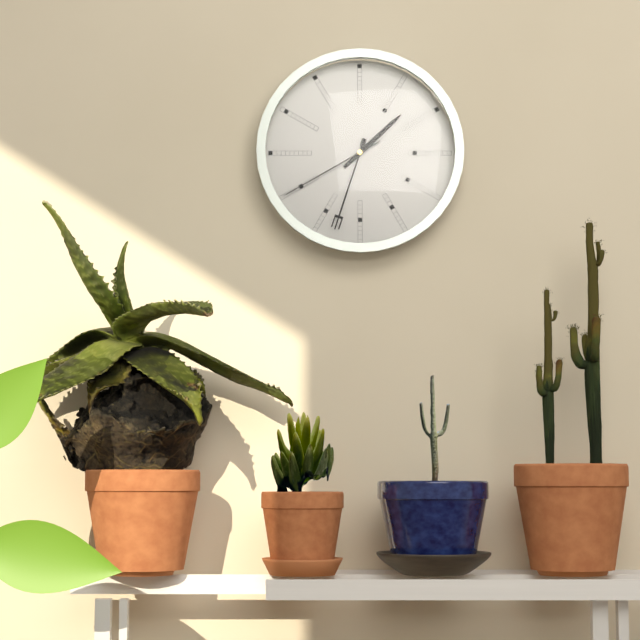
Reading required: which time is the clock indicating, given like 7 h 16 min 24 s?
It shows 1 h 33 min 40 s
